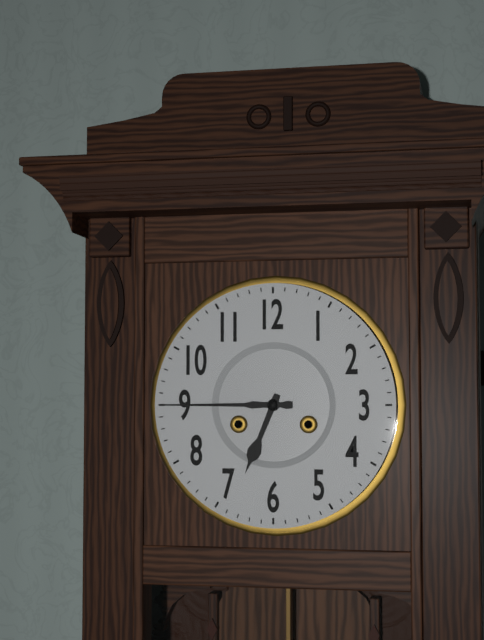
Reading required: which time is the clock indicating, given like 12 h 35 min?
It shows 6 h 45 min
